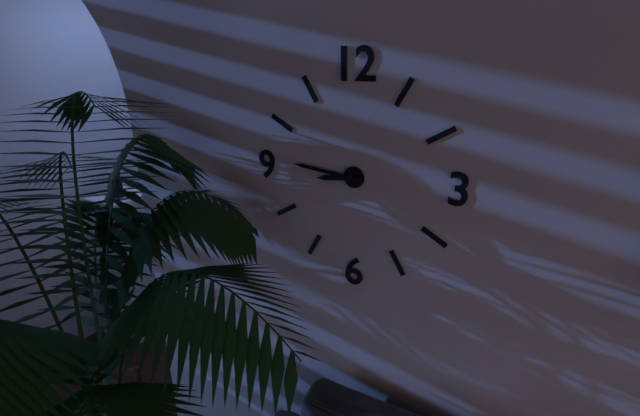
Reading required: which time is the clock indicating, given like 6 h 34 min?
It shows 8 h 46 min
